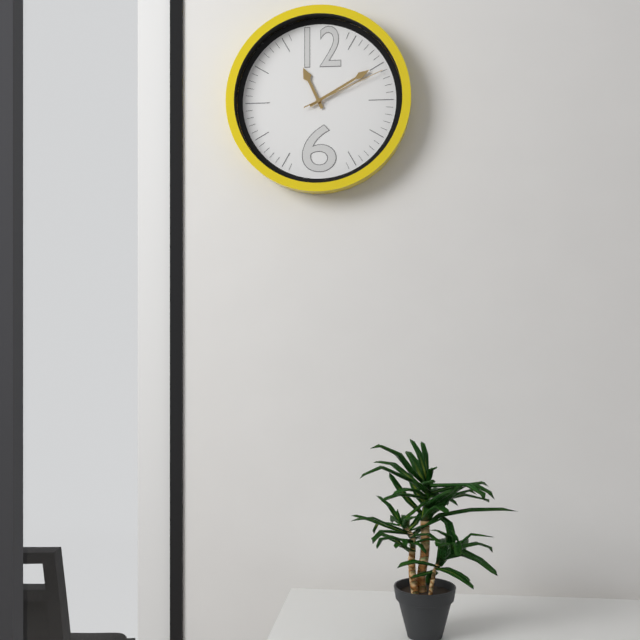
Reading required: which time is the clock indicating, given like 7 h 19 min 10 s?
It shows 11 h 10 min 11 s
